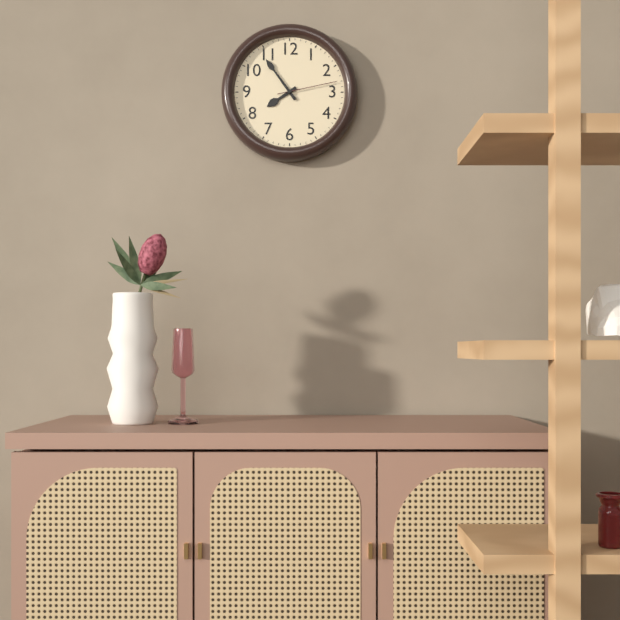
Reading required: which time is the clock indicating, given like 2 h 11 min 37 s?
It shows 7 h 54 min 13 s
